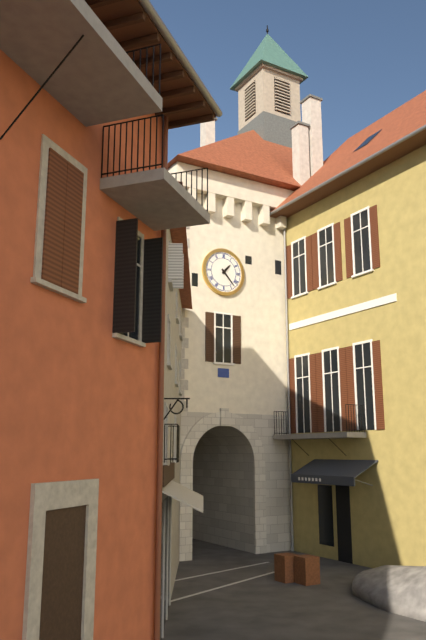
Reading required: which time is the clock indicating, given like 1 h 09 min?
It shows 1 h 23 min
